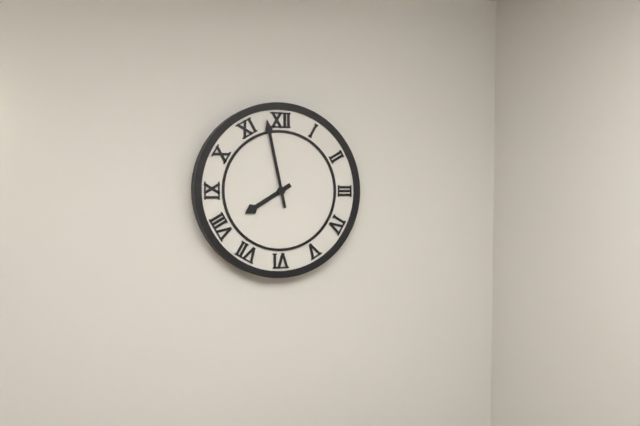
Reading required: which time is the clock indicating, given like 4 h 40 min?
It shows 7 h 58 min
